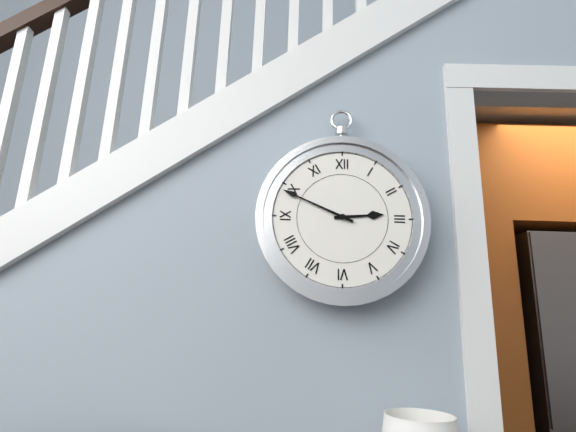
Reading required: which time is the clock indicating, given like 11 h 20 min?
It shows 2 h 49 min
